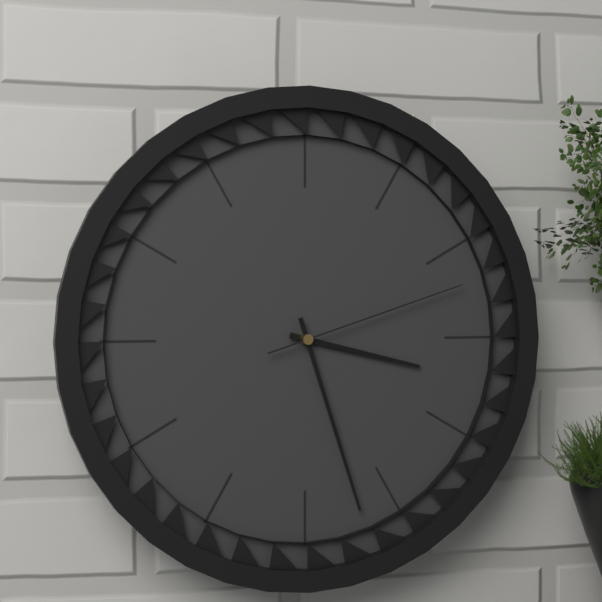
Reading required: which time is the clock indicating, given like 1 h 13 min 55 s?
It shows 3 h 27 min 12 s
